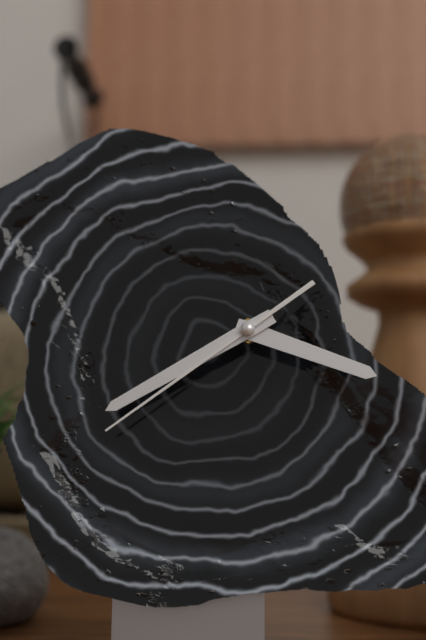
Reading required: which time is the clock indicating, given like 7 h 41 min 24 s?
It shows 3 h 40 min 39 s
